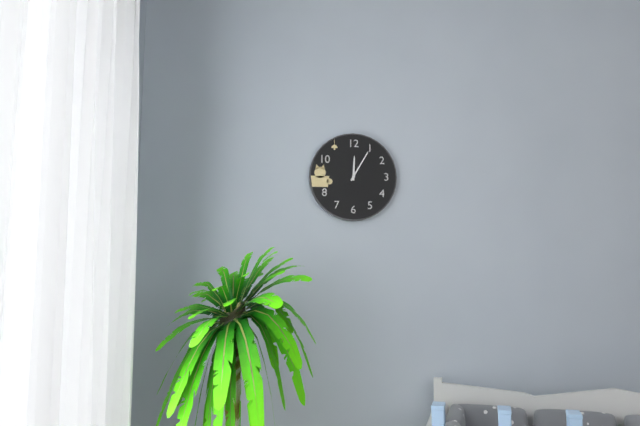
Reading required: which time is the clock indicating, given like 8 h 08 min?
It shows 12 h 05 min
